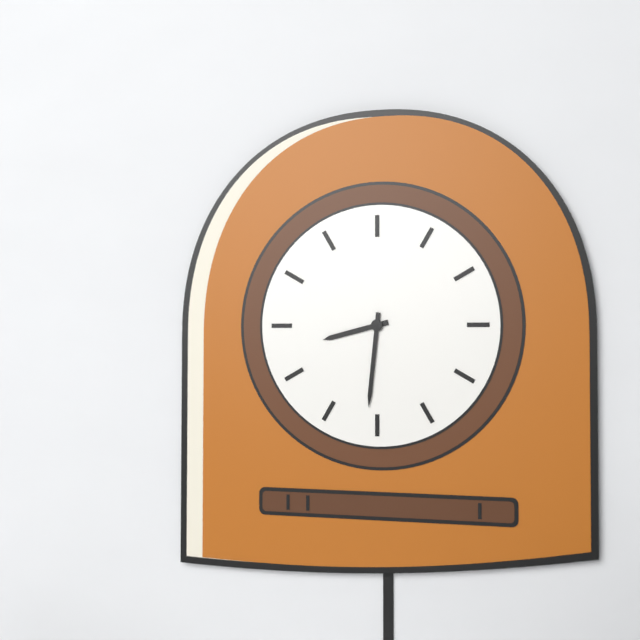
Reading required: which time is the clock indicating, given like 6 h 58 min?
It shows 8 h 31 min
